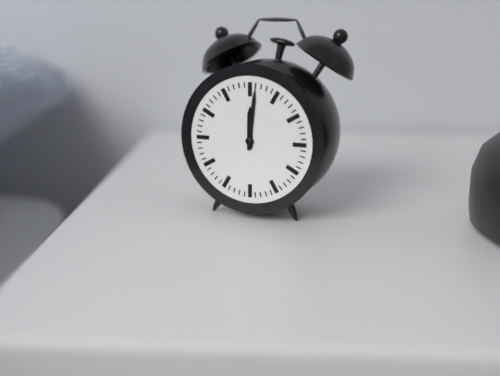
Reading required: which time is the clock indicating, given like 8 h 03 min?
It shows 12 h 01 min
